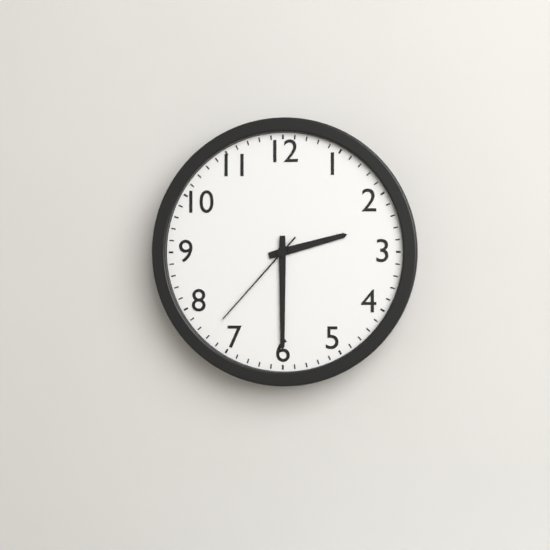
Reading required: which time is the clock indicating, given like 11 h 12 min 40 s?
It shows 2 h 30 min 37 s
